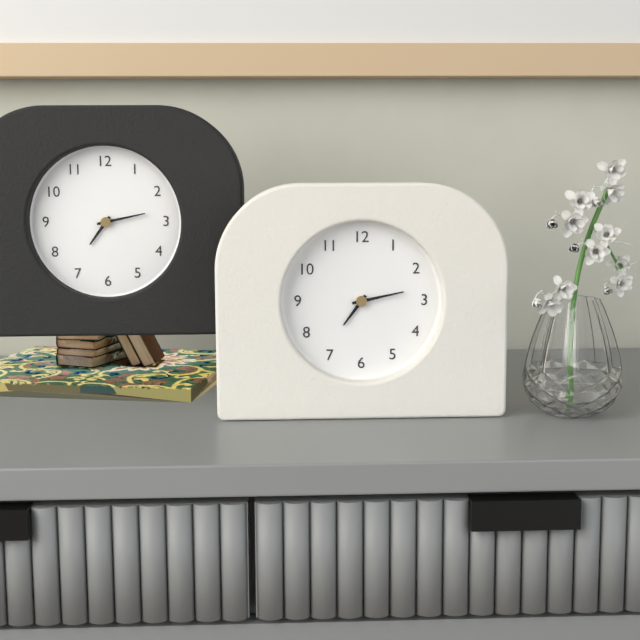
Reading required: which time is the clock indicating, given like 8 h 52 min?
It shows 7 h 13 min
